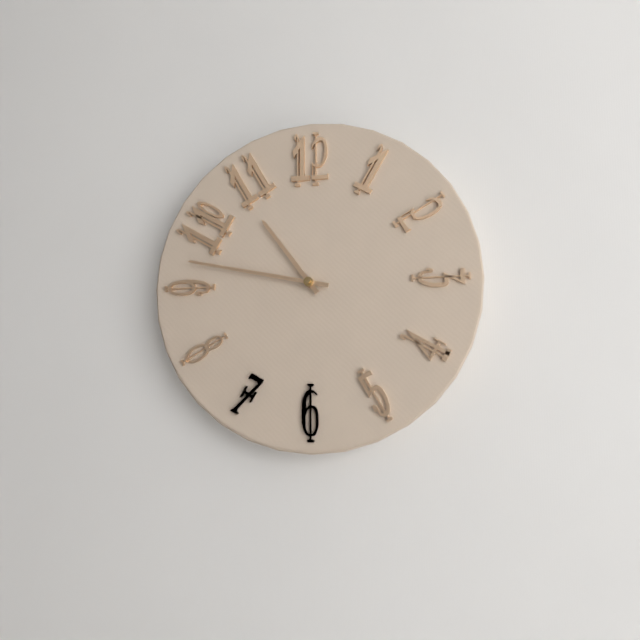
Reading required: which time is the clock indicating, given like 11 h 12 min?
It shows 10 h 47 min
